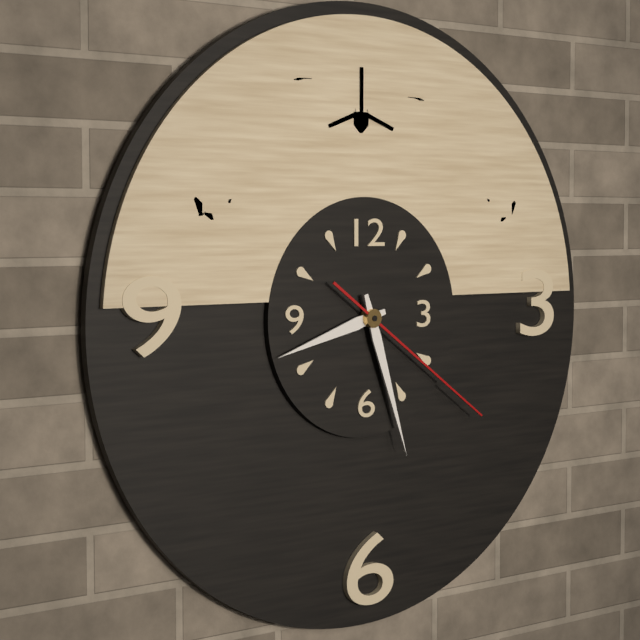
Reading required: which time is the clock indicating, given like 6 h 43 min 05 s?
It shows 8 h 27 min 21 s
